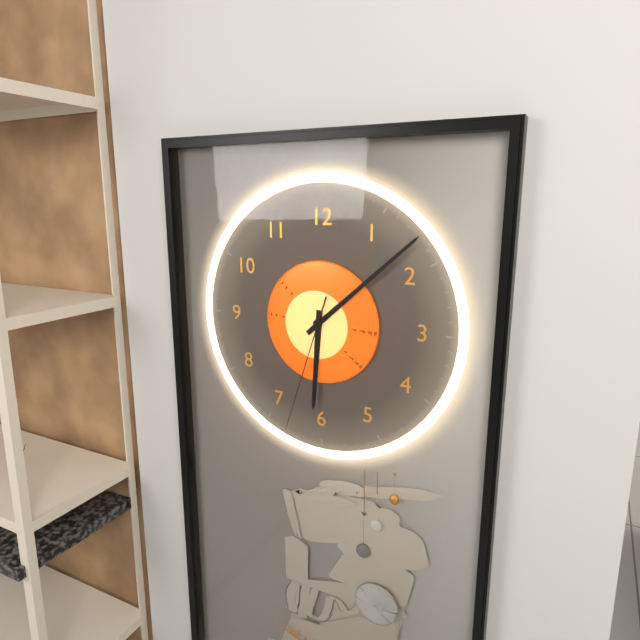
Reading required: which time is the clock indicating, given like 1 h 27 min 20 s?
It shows 6 h 08 min 33 s
